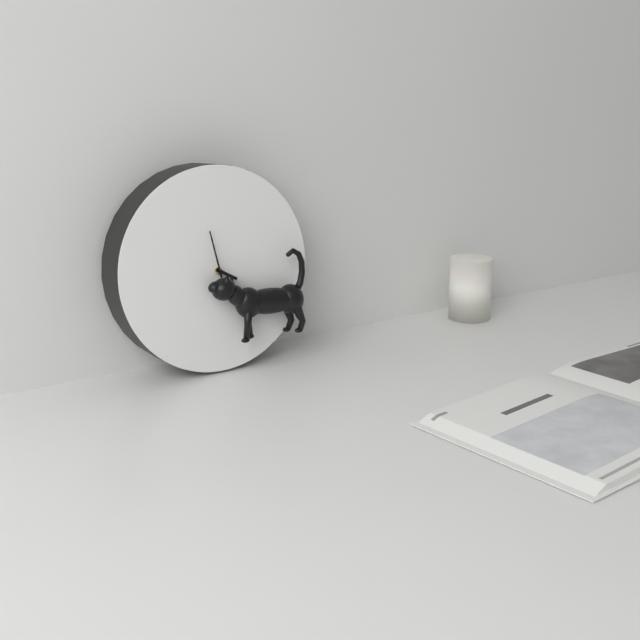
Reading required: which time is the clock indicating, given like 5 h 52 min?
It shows 3 h 58 min
